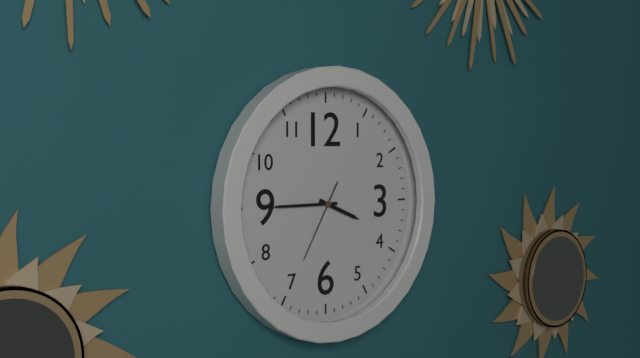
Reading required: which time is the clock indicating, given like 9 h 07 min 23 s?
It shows 3 h 45 min 35 s
